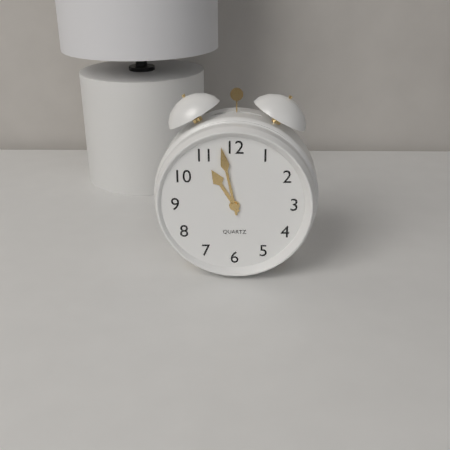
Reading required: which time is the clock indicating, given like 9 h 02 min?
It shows 10 h 58 min
